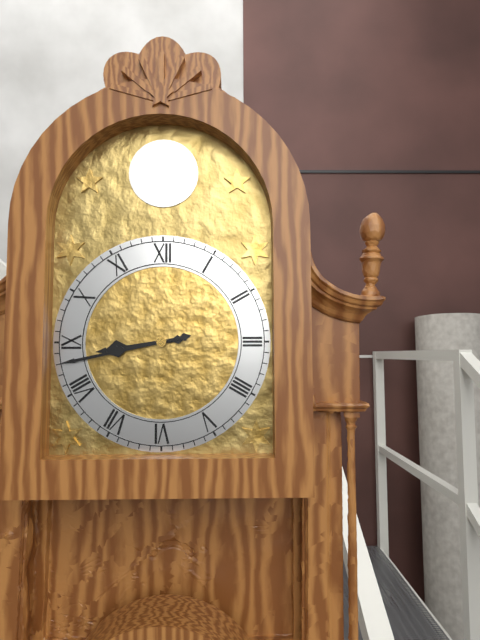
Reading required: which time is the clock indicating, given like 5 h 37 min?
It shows 8 h 43 min
